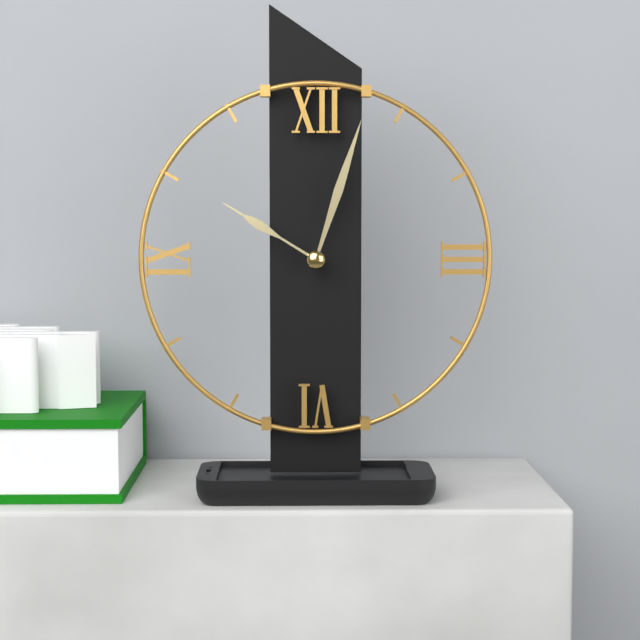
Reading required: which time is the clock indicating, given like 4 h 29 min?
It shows 10 h 03 min
